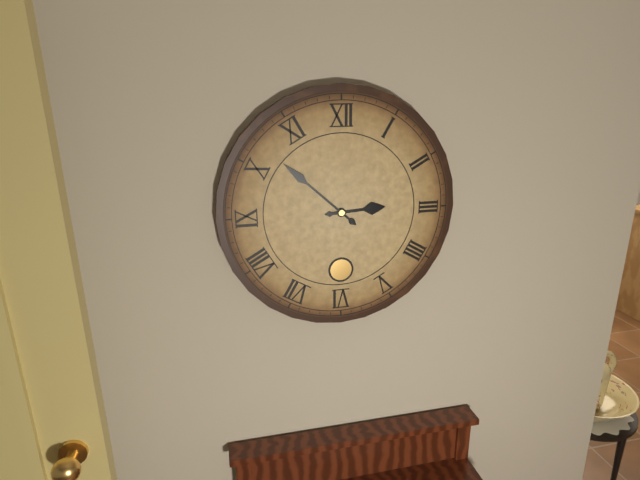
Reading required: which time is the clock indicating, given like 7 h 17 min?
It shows 2 h 52 min
